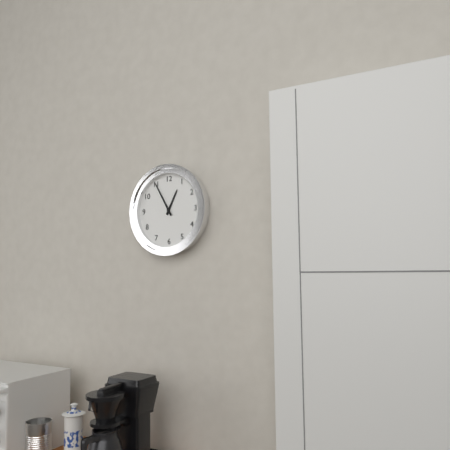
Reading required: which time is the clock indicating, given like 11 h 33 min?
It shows 12 h 55 min
